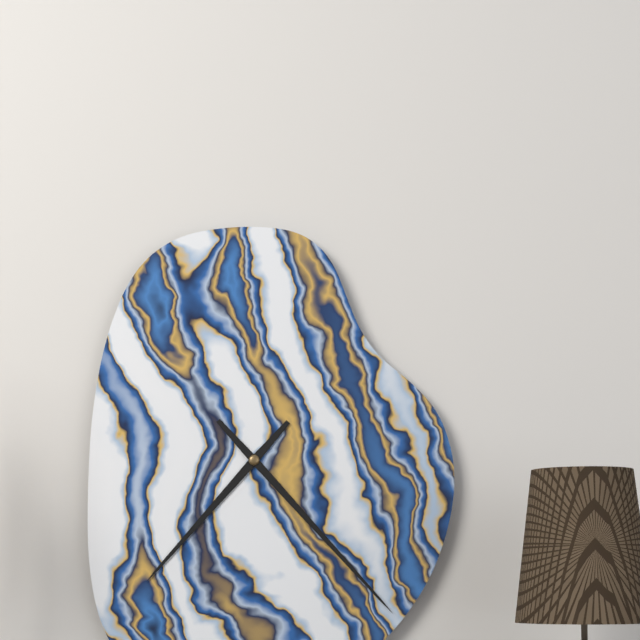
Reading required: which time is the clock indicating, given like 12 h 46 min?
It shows 7 h 23 min
